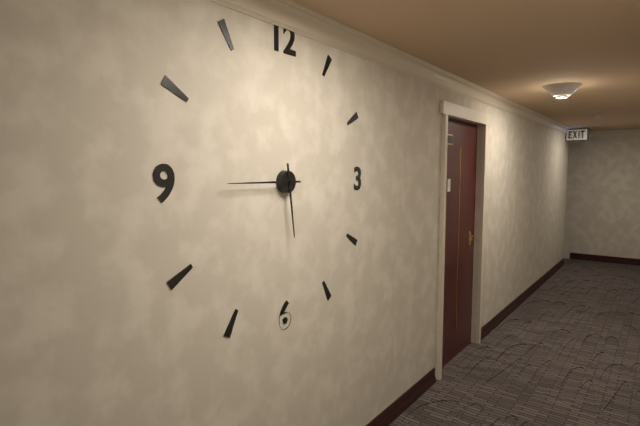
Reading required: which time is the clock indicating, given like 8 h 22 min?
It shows 5 h 45 min
